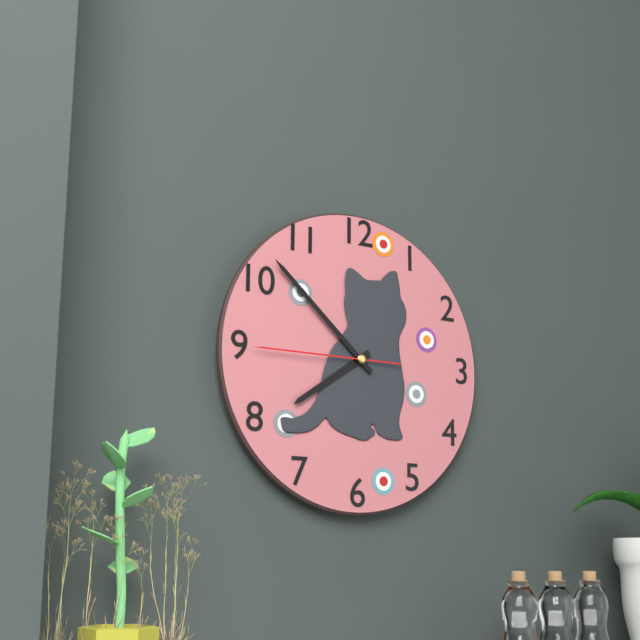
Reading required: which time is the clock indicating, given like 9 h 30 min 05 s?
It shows 7 h 52 min 45 s
